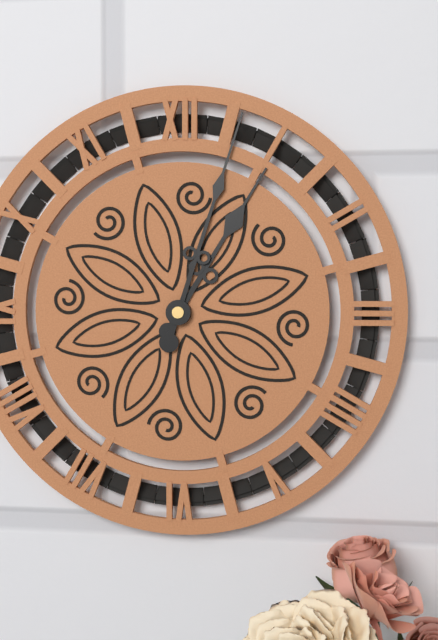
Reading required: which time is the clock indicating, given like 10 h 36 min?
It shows 1 h 03 min
